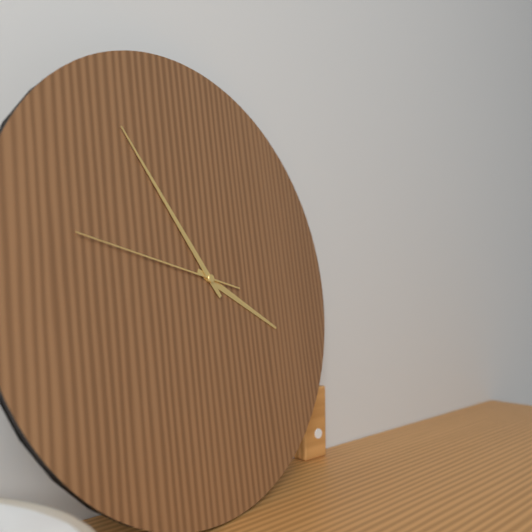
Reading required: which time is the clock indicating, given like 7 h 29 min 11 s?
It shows 3 h 54 min 47 s
